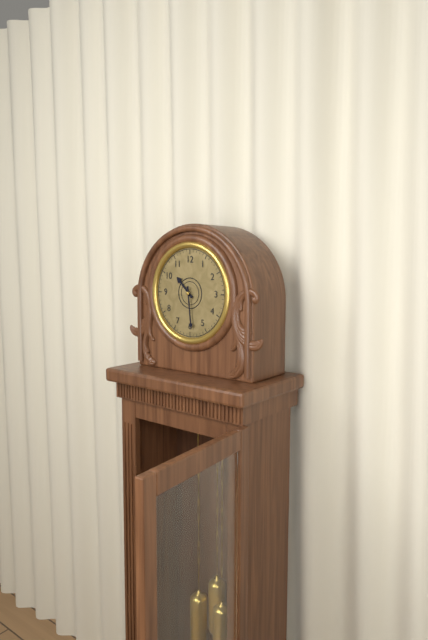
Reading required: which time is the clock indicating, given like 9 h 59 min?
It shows 10 h 29 min
